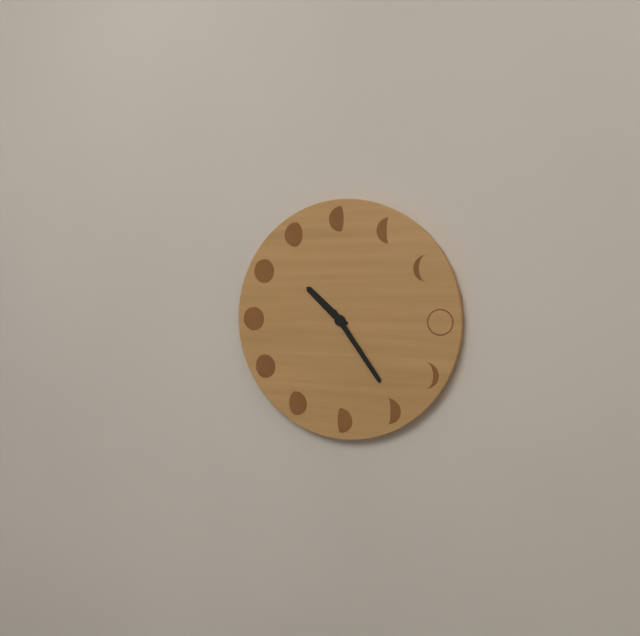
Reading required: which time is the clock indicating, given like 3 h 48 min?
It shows 10 h 24 min
